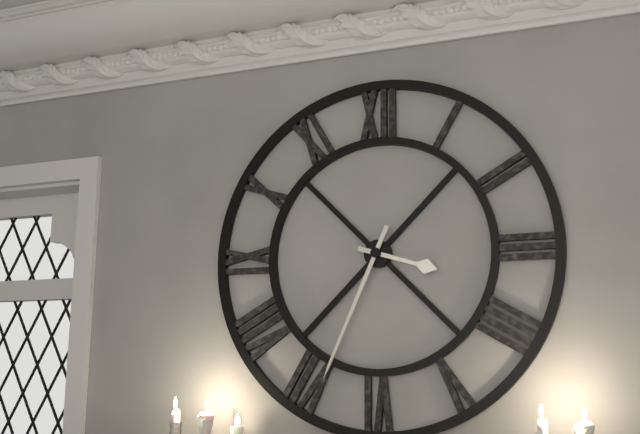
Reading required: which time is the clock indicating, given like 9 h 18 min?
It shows 3 h 34 min
